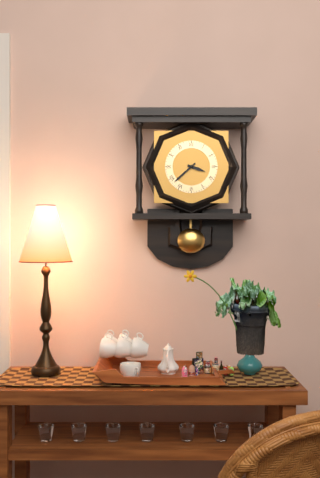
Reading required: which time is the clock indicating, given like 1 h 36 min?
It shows 3 h 38 min
